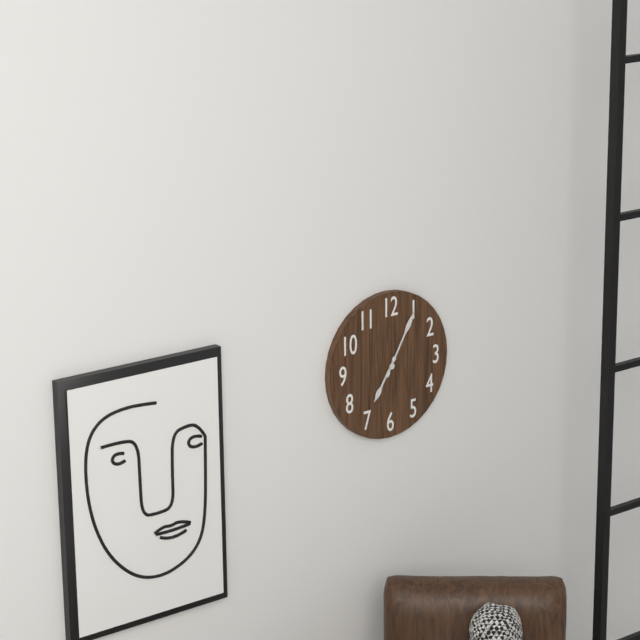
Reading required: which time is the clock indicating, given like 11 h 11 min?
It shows 7 h 05 min
